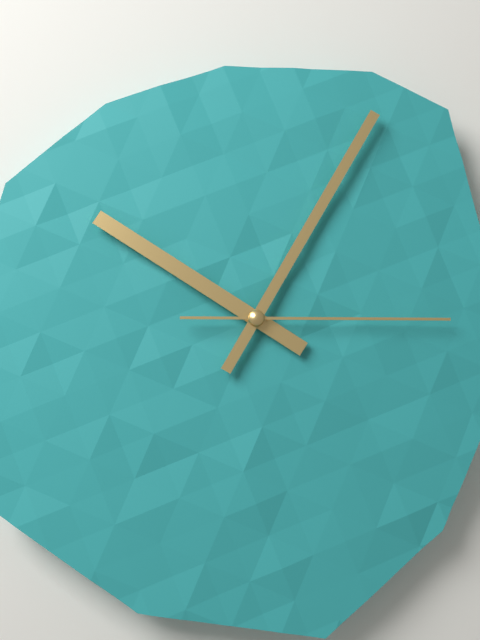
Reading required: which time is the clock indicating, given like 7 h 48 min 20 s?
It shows 10 h 05 min 15 s
